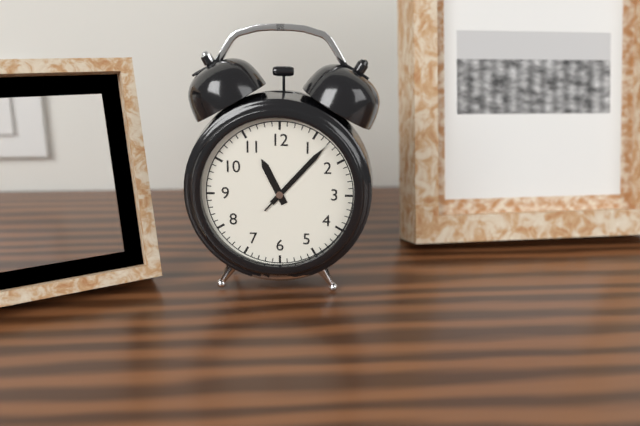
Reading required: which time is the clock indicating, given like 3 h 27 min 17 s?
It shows 11 h 07 min 07 s
